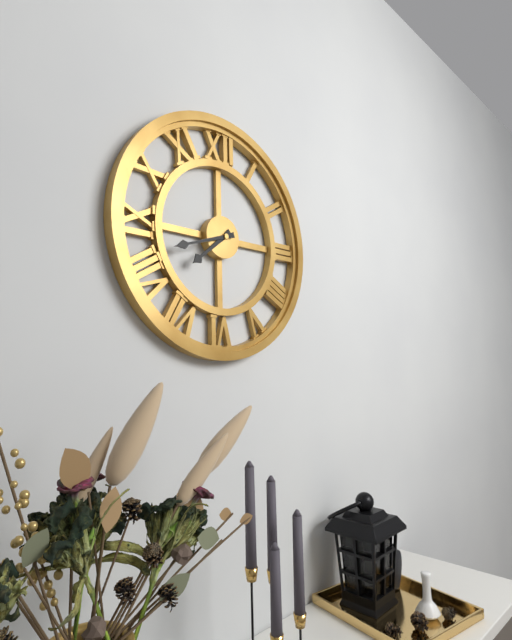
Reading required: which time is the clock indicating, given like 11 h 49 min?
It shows 7 h 42 min
